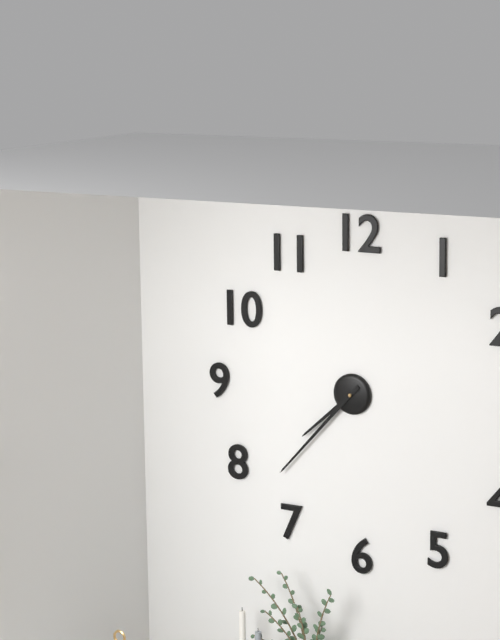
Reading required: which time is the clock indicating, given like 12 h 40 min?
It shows 7 h 37 min
